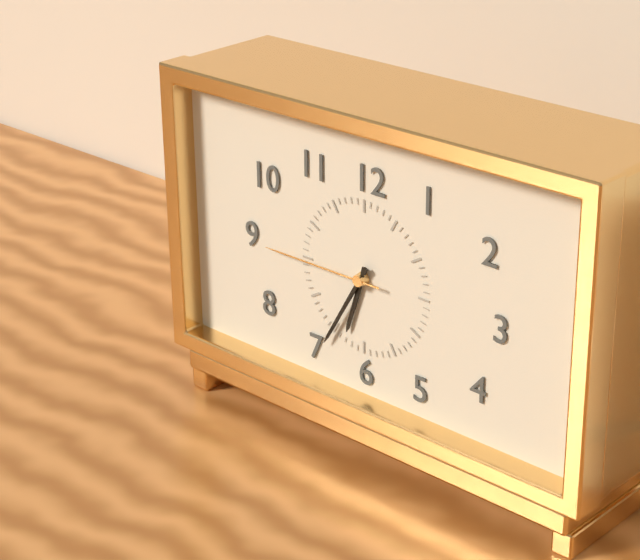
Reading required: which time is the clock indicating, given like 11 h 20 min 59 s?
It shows 6 h 35 min 45 s
